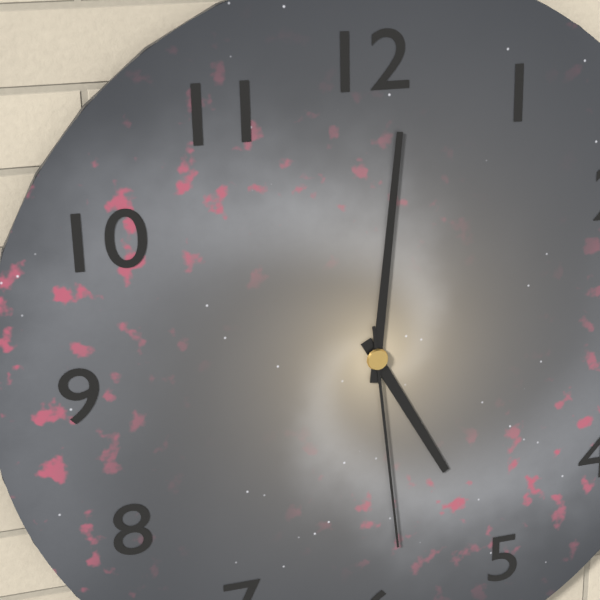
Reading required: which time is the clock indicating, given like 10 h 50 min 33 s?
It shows 5 h 01 min 29 s
